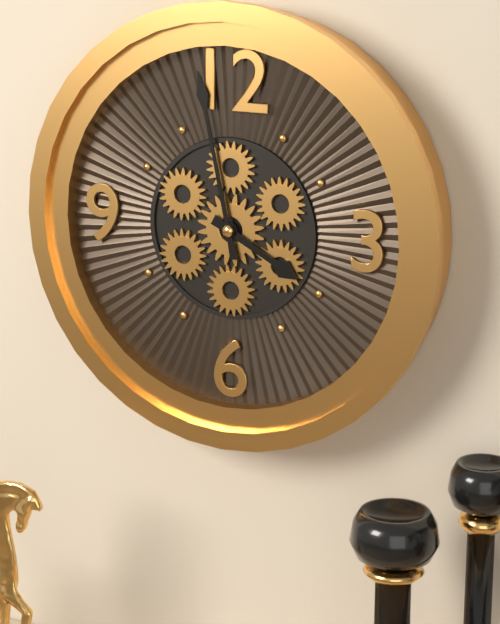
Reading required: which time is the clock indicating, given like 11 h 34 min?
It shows 3 h 58 min
